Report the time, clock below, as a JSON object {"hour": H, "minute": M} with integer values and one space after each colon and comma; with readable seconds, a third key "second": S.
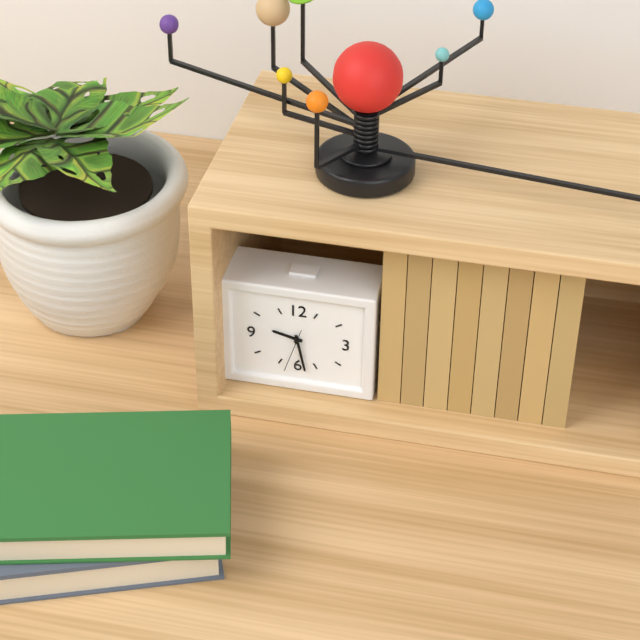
{"hour": 9, "minute": 28}
